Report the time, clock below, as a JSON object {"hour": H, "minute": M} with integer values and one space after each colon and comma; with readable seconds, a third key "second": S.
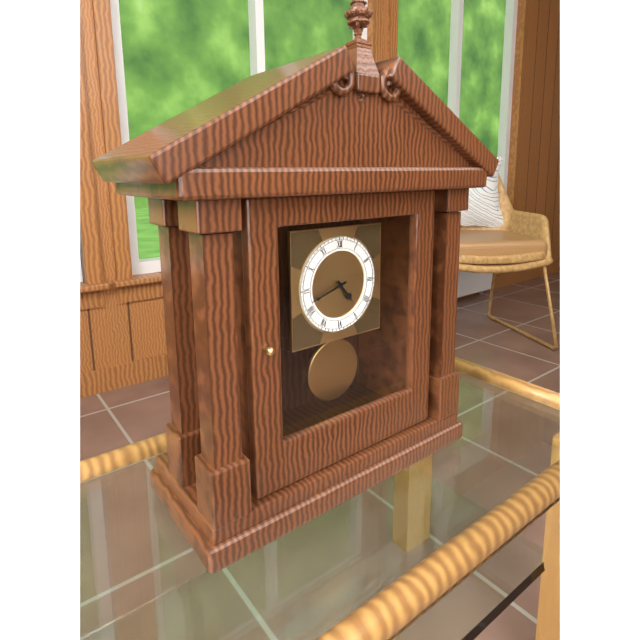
{"hour": 4, "minute": 42}
